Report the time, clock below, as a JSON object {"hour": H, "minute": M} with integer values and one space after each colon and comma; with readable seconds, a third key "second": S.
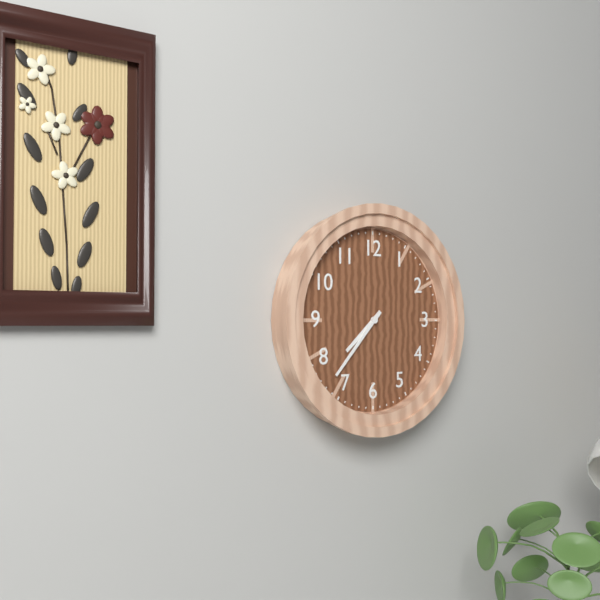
{"hour": 7, "minute": 37}
